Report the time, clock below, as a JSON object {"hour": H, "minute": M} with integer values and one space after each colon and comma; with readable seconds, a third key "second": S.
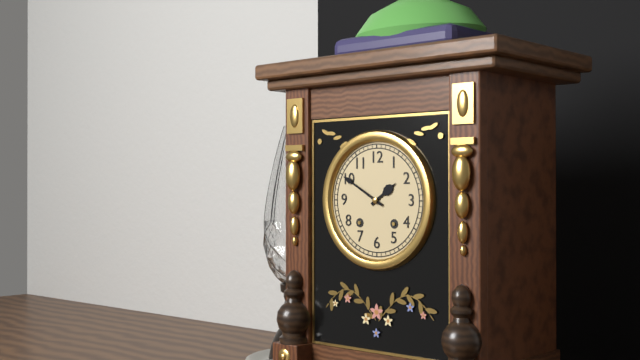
{"hour": 1, "minute": 50}
